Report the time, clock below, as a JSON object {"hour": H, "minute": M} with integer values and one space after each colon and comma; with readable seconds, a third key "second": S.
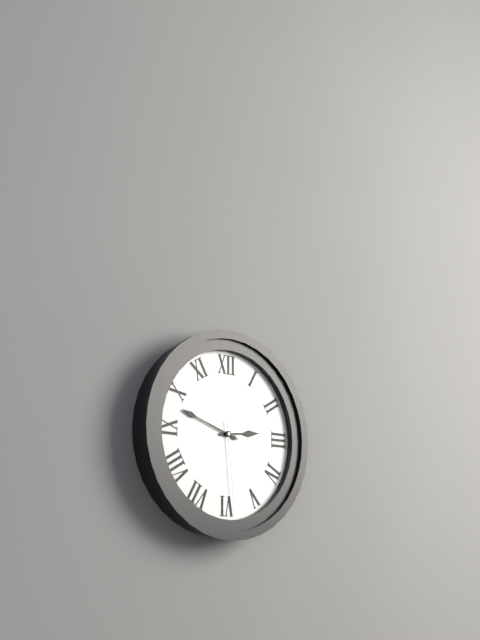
{"hour": 2, "minute": 48, "second": 29}
